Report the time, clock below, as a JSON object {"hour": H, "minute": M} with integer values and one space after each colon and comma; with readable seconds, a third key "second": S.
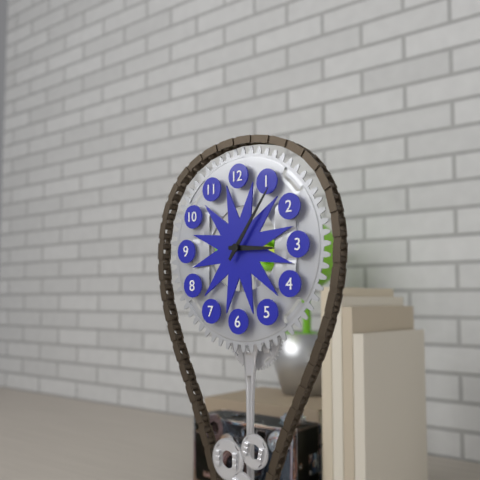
{"hour": 3, "minute": 6}
